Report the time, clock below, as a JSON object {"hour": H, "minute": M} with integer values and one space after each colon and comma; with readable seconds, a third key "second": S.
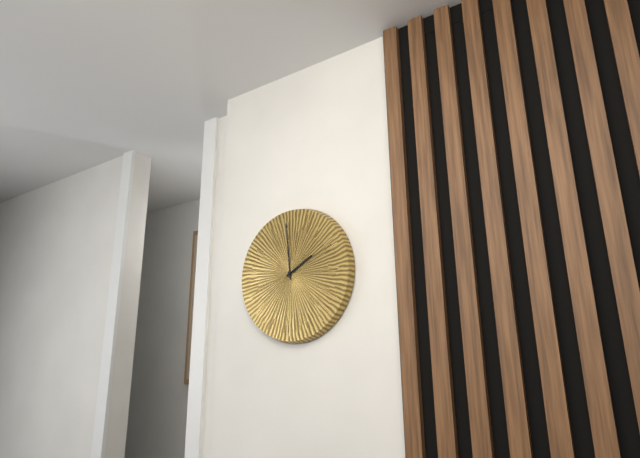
{"hour": 1, "minute": 59}
